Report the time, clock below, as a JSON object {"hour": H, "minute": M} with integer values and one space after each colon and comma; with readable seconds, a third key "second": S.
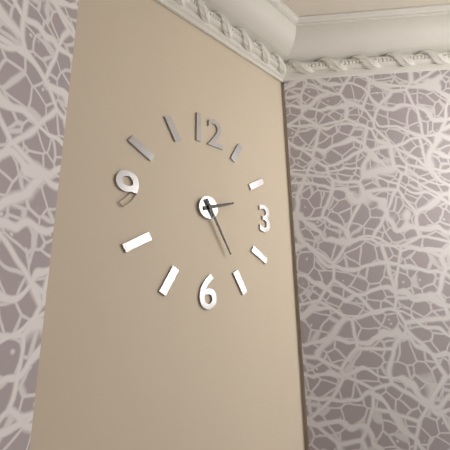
{"hour": 2, "minute": 25}
